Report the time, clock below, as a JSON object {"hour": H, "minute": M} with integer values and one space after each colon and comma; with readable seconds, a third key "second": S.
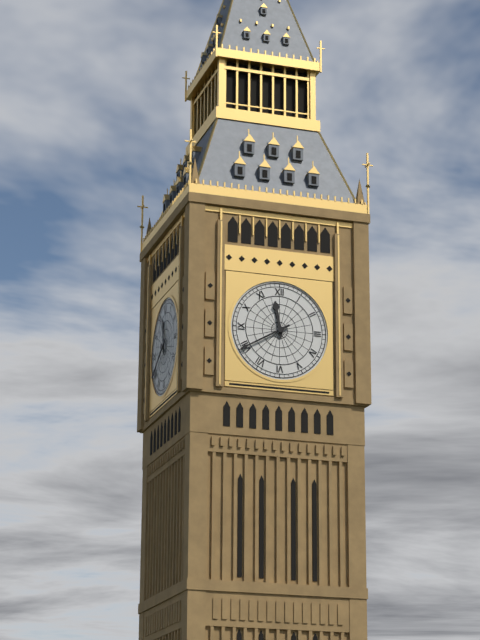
{"hour": 11, "minute": 40}
